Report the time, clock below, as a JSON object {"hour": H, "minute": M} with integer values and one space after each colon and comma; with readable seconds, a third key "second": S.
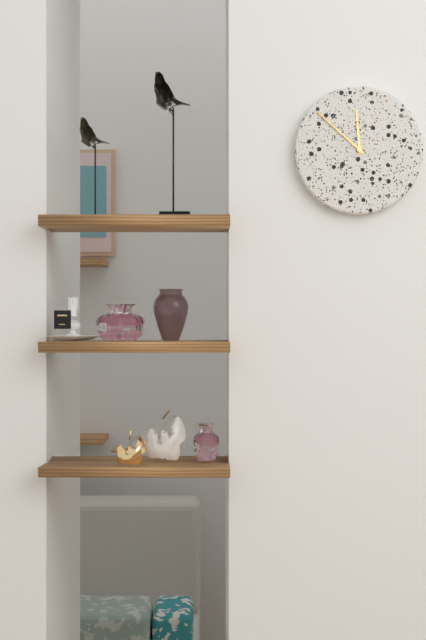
{"hour": 11, "minute": 52}
